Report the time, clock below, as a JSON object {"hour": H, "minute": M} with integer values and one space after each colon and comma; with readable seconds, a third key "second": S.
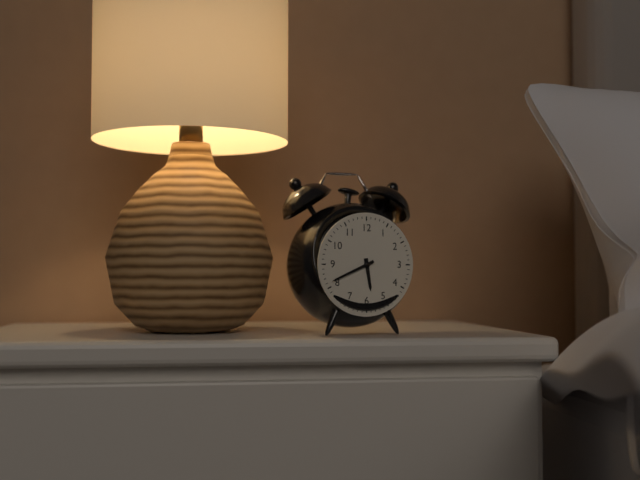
{"hour": 5, "minute": 41}
